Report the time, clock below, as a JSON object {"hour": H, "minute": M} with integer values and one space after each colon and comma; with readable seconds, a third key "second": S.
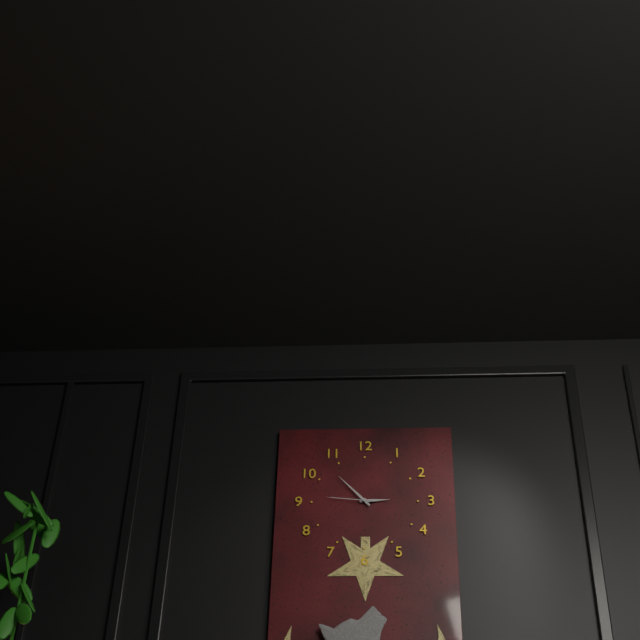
{"hour": 2, "minute": 53}
